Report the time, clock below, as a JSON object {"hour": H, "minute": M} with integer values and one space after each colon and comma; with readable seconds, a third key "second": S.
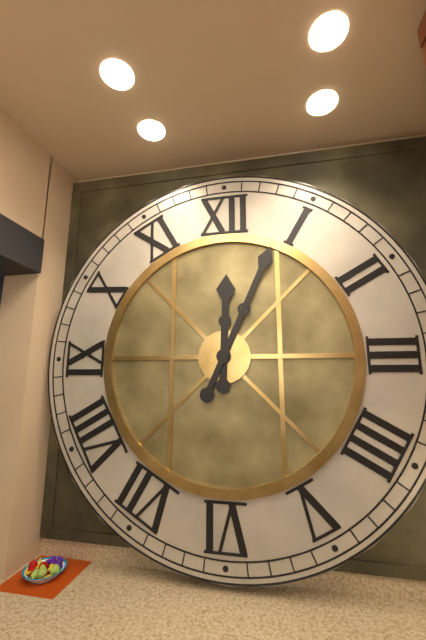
{"hour": 12, "minute": 4}
